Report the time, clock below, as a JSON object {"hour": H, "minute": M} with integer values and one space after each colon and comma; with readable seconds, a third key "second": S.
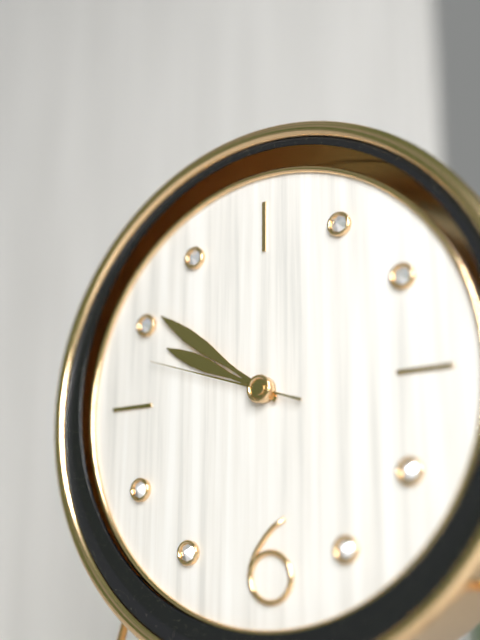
{"hour": 9, "minute": 51, "second": 48}
